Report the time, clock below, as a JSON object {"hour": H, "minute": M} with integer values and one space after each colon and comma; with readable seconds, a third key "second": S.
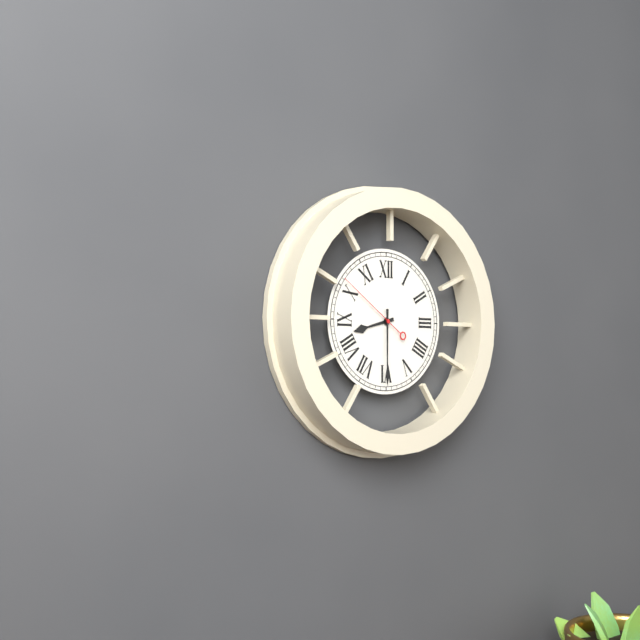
{"hour": 8, "minute": 30, "second": 51}
